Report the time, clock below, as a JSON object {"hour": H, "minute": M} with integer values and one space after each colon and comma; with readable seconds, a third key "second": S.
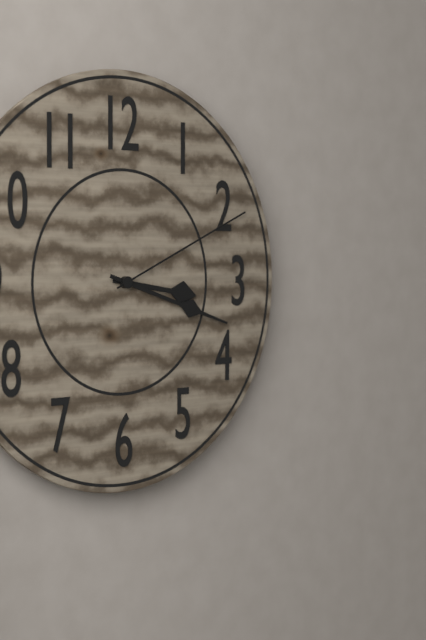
{"hour": 3, "minute": 18, "second": 11}
